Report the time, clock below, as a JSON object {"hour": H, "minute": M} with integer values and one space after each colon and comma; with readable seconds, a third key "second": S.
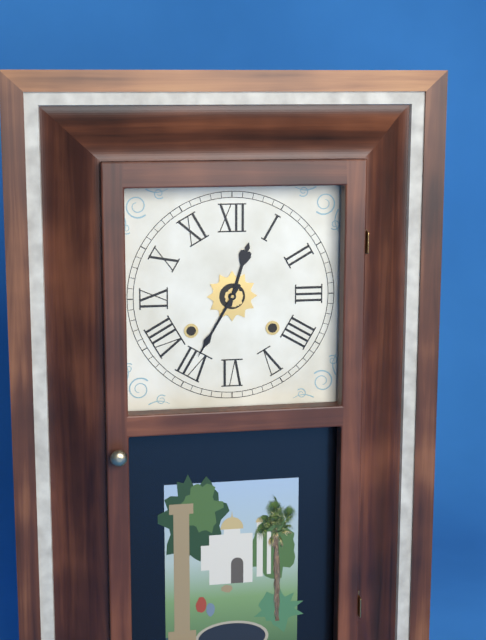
{"hour": 12, "minute": 35}
